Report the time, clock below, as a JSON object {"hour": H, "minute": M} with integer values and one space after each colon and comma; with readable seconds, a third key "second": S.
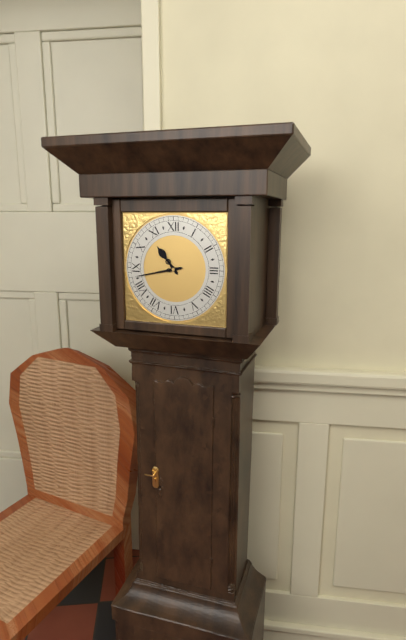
{"hour": 10, "minute": 43}
